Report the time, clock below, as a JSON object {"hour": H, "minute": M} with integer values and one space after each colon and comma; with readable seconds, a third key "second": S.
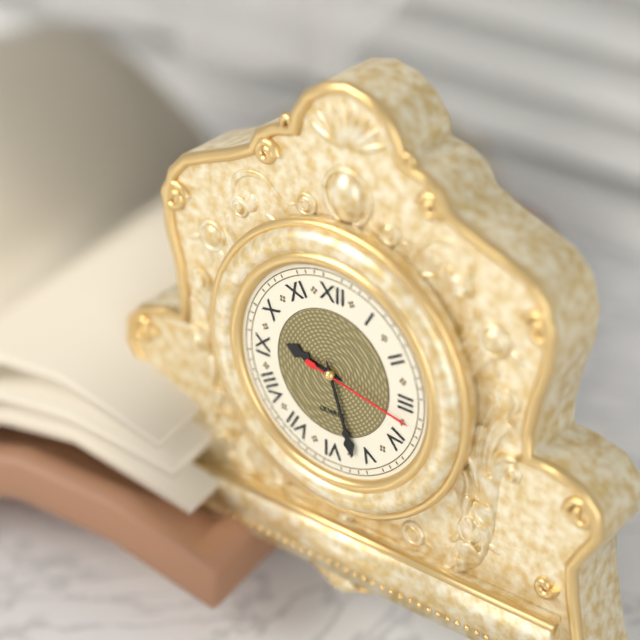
{"hour": 9, "minute": 27, "second": 17}
